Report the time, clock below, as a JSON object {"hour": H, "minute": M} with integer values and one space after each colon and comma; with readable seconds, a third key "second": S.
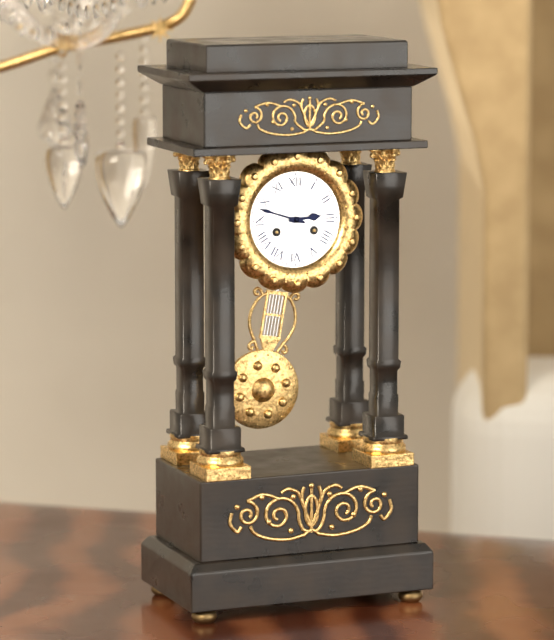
{"hour": 2, "minute": 48}
